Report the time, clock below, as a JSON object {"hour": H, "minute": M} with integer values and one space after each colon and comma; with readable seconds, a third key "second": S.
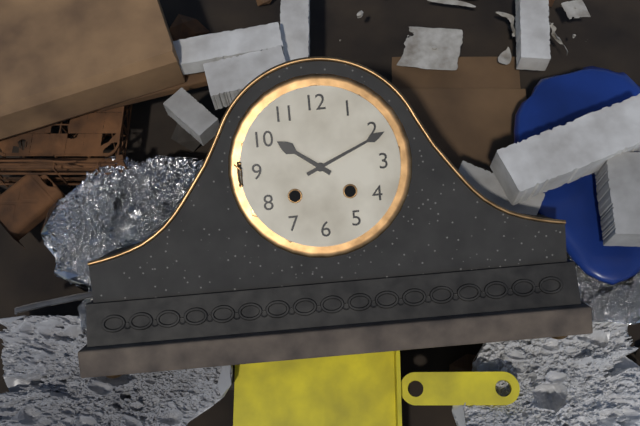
{"hour": 10, "minute": 11}
